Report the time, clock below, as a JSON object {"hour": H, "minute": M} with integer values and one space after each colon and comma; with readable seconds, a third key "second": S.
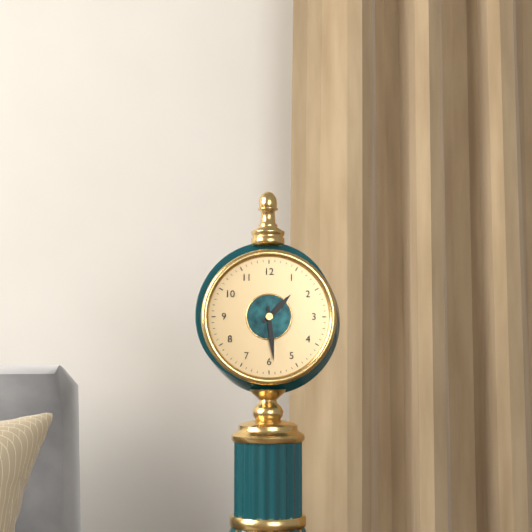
{"hour": 1, "minute": 29}
